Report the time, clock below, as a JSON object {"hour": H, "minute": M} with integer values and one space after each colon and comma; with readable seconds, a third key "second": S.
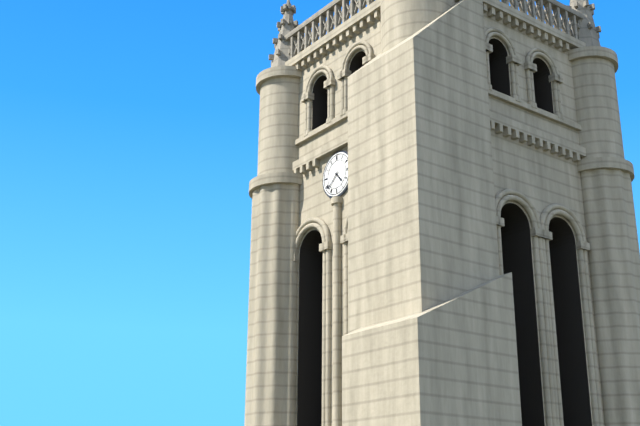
{"hour": 4, "minute": 38}
